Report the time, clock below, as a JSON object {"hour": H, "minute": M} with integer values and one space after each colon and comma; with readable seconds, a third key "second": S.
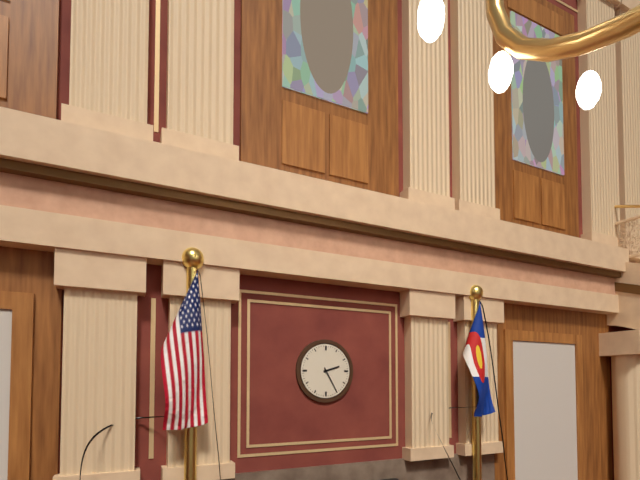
{"hour": 2, "minute": 25}
